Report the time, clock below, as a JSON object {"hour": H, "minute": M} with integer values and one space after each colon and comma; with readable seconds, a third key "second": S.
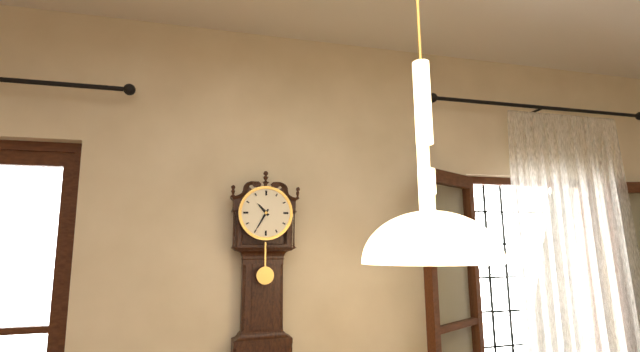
{"hour": 10, "minute": 35}
